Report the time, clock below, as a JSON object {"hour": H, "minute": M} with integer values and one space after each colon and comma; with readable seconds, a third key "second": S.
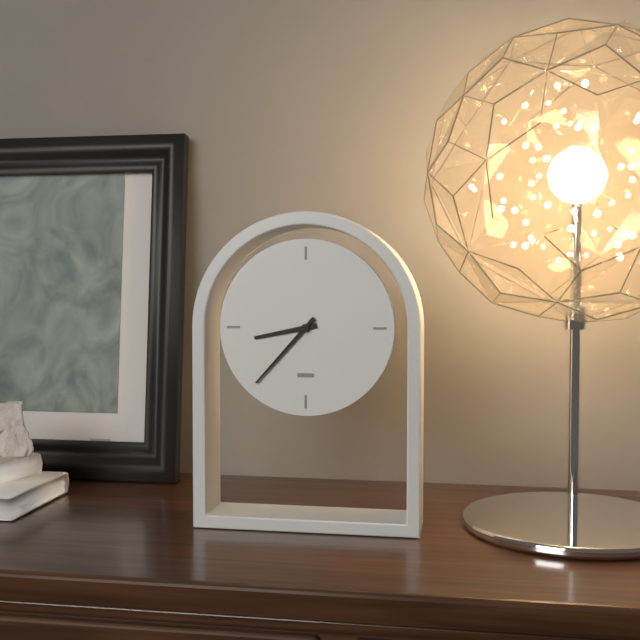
{"hour": 8, "minute": 37}
